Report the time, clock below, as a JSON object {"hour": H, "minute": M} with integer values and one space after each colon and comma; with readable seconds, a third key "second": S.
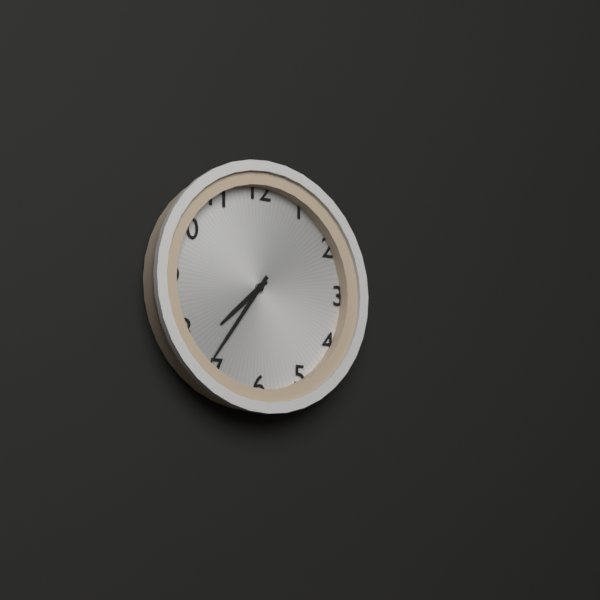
{"hour": 7, "minute": 36}
